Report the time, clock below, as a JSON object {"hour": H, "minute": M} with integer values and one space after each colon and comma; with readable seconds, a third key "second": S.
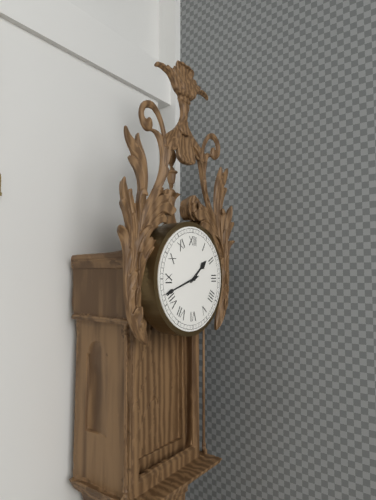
{"hour": 1, "minute": 42}
